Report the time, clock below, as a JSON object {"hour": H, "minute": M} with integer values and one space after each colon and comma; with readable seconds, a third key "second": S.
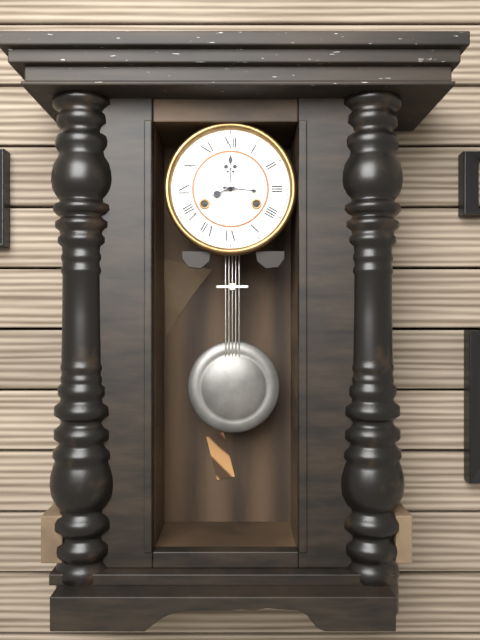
{"hour": 8, "minute": 16}
